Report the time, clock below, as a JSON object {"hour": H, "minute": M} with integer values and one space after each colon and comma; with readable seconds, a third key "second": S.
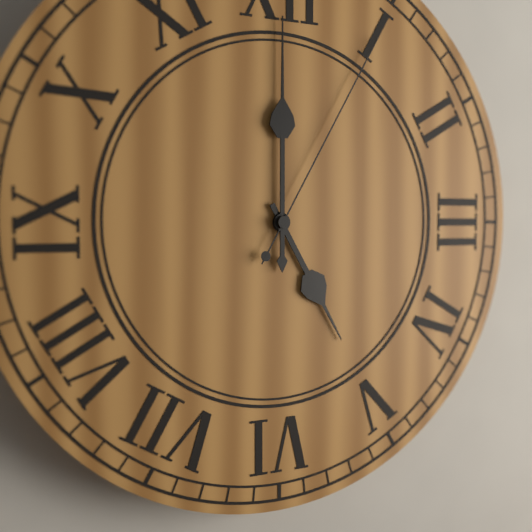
{"hour": 5, "minute": 0, "second": 5}
